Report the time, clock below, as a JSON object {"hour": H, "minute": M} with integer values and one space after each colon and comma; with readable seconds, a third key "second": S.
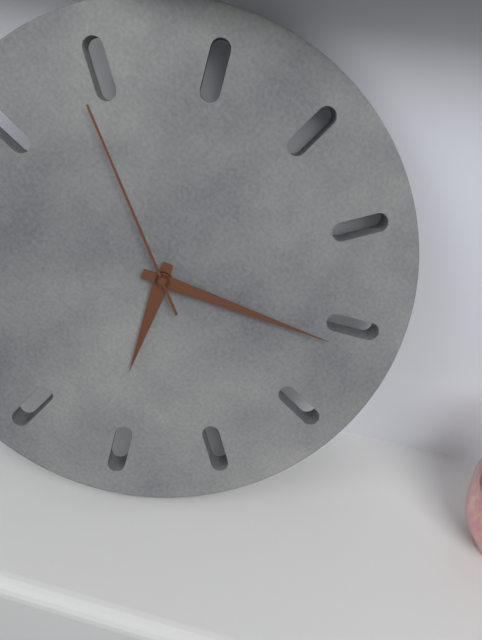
{"hour": 5, "minute": 11, "second": 49}
